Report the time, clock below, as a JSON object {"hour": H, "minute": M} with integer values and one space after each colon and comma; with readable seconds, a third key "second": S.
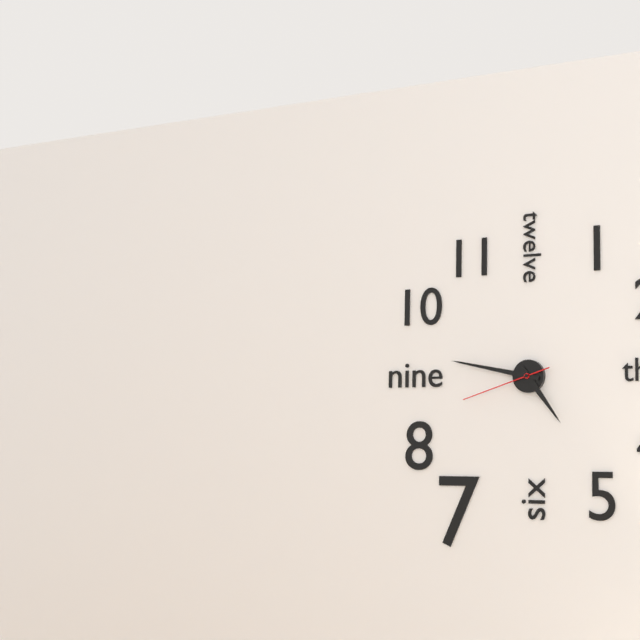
{"hour": 4, "minute": 47, "second": 42}
